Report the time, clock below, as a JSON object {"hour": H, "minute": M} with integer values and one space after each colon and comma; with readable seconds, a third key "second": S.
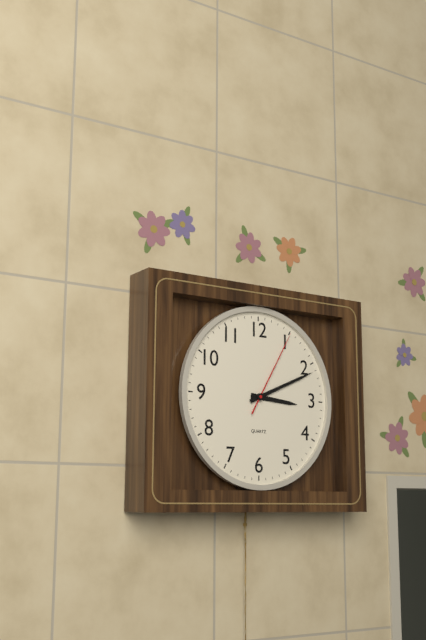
{"hour": 3, "minute": 11, "second": 5}
